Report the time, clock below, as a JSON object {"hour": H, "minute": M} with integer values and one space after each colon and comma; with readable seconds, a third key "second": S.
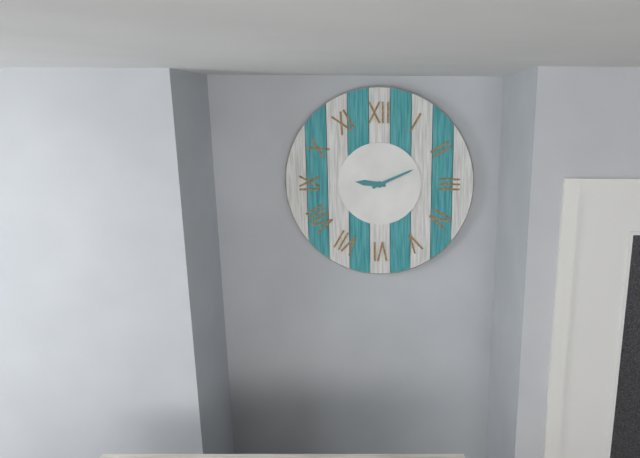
{"hour": 9, "minute": 11}
